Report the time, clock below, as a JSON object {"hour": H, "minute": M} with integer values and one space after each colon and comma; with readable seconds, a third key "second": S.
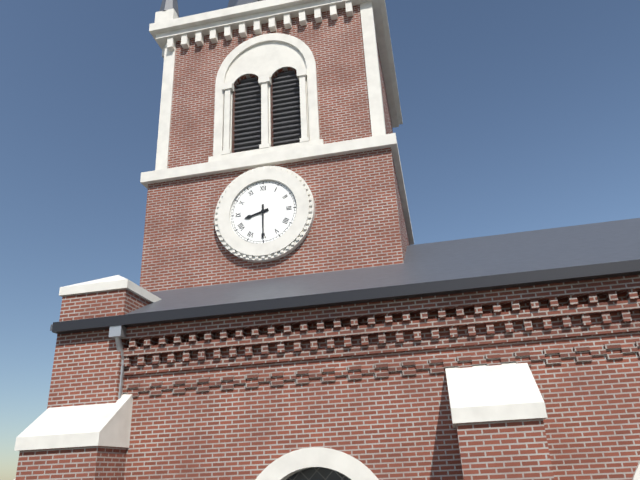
{"hour": 8, "minute": 30}
